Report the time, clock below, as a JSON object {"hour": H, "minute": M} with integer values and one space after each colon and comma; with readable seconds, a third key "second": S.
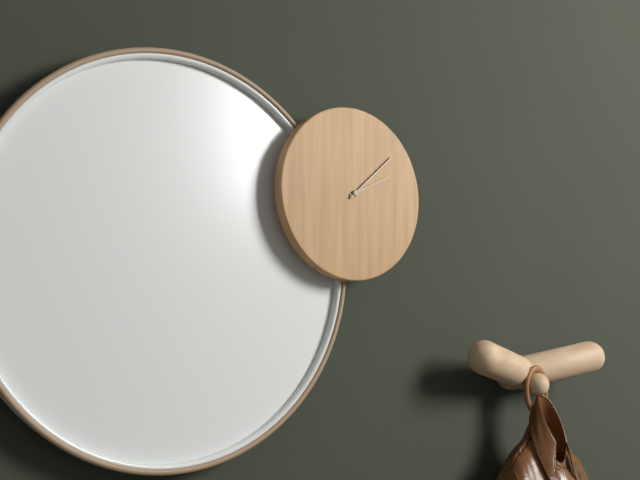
{"hour": 2, "minute": 8}
